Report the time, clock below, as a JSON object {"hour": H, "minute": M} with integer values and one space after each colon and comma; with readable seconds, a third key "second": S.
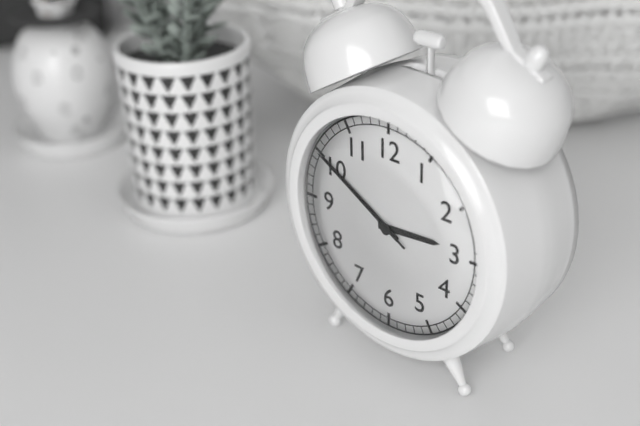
{"hour": 2, "minute": 50, "second": 50}
